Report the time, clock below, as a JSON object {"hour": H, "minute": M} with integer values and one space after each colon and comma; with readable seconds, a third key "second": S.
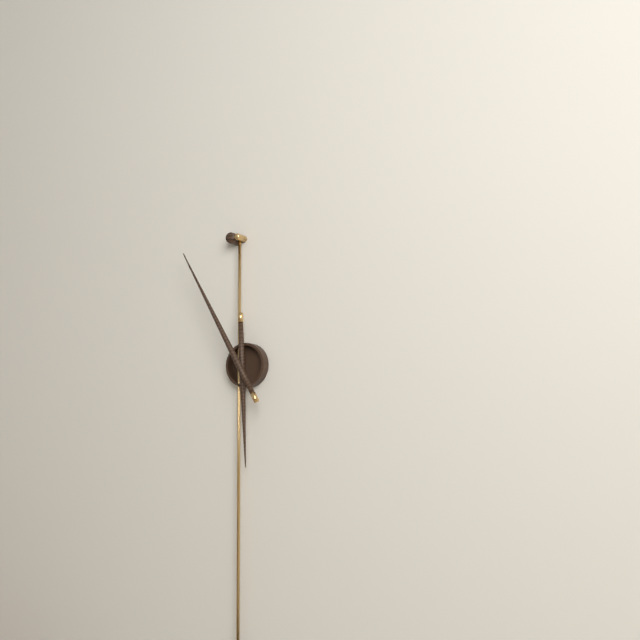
{"hour": 5, "minute": 55}
